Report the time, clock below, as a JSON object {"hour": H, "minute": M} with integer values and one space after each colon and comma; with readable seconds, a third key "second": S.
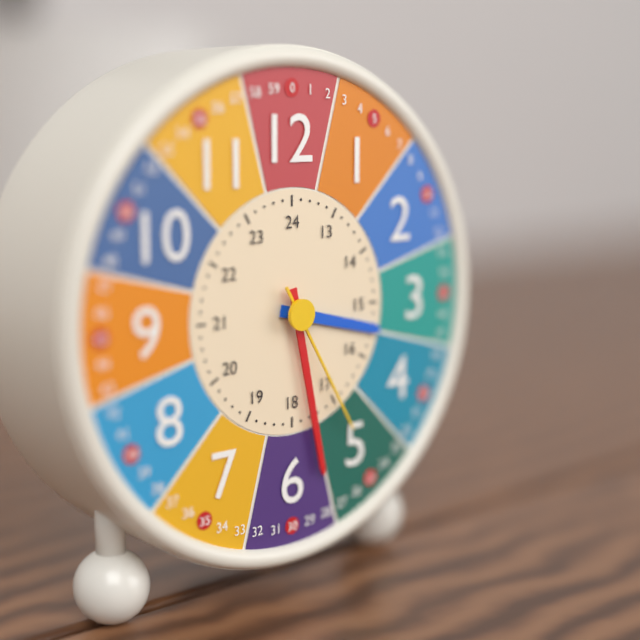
{"hour": 3, "minute": 28, "second": 25}
